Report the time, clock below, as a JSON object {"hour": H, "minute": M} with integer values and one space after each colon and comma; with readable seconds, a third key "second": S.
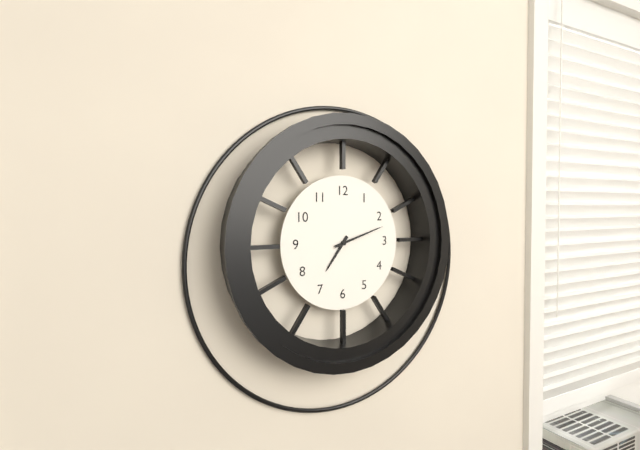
{"hour": 7, "minute": 12}
